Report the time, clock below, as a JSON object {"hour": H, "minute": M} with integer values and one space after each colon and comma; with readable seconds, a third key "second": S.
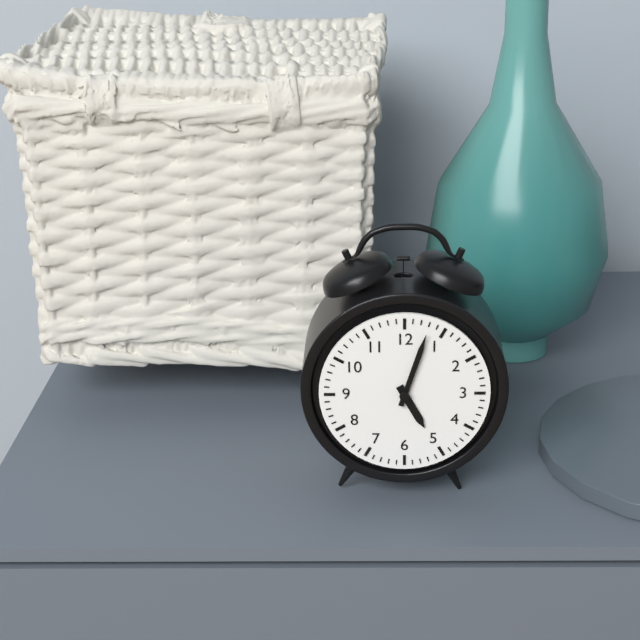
{"hour": 5, "minute": 3}
